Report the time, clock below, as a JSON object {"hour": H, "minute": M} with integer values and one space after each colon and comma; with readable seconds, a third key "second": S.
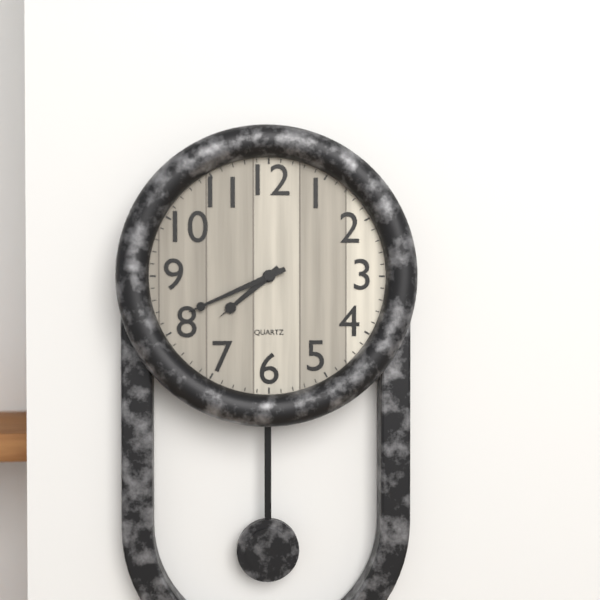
{"hour": 7, "minute": 41}
